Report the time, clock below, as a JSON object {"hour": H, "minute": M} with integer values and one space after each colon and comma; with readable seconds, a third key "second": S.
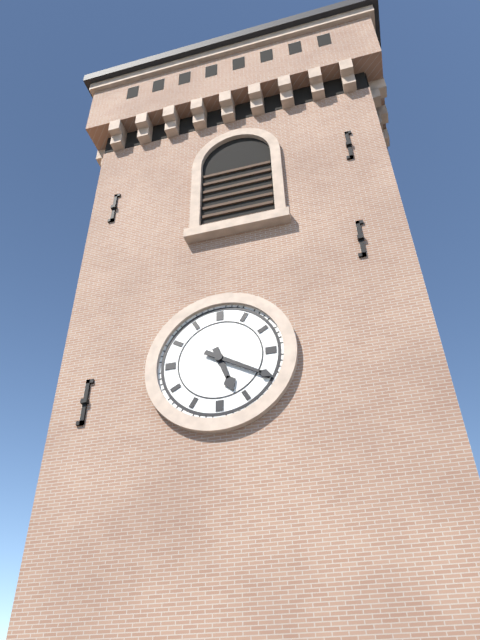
{"hour": 5, "minute": 20}
